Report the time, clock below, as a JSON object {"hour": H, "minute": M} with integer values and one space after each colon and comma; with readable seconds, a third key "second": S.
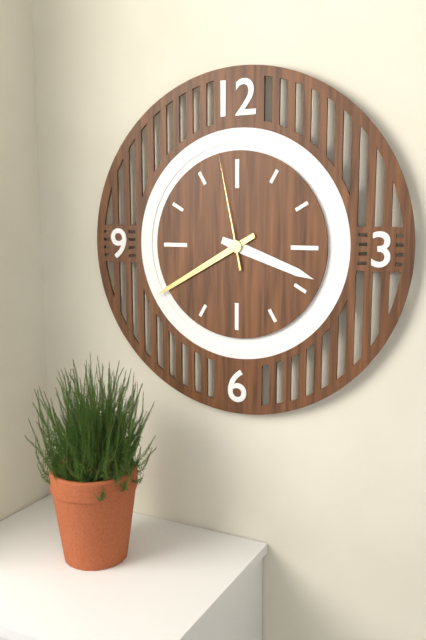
{"hour": 3, "minute": 40, "second": 58}
